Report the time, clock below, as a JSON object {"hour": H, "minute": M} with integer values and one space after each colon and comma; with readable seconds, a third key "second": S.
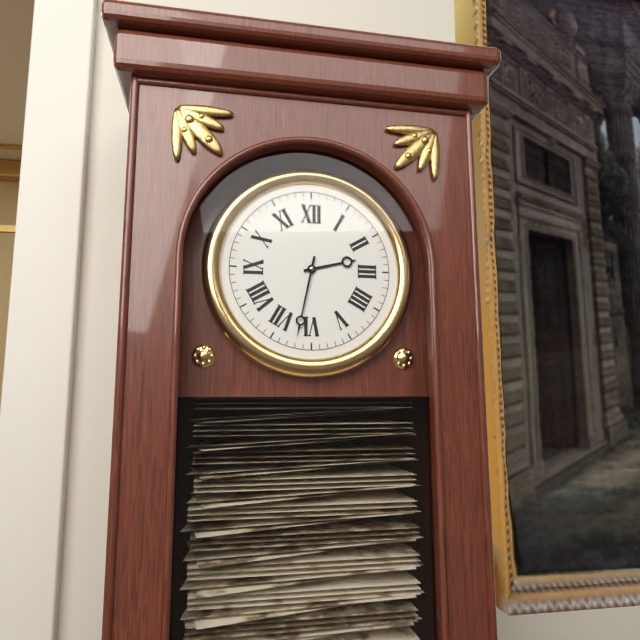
{"hour": 2, "minute": 32}
